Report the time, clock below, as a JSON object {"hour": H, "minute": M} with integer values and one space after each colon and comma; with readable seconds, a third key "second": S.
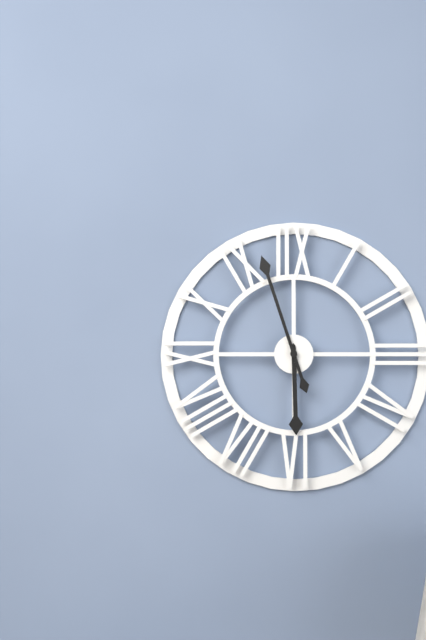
{"hour": 5, "minute": 57}
